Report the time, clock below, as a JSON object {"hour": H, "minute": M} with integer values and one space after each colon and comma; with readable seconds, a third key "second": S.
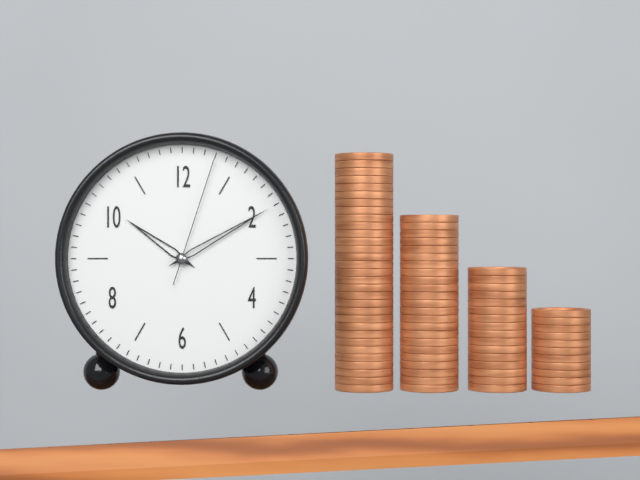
{"hour": 10, "minute": 10, "second": 3}
